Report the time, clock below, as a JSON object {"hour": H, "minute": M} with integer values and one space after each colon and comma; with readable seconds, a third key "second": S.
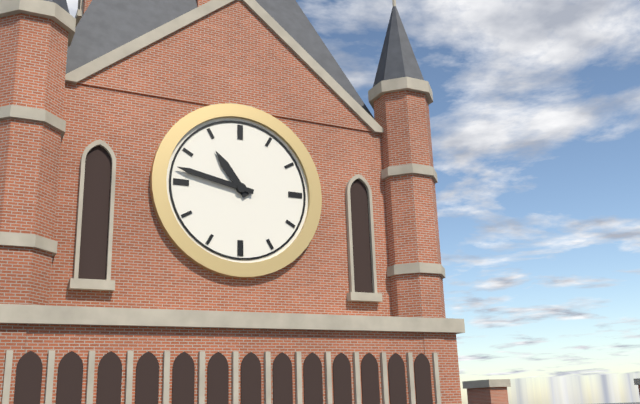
{"hour": 10, "minute": 47}
